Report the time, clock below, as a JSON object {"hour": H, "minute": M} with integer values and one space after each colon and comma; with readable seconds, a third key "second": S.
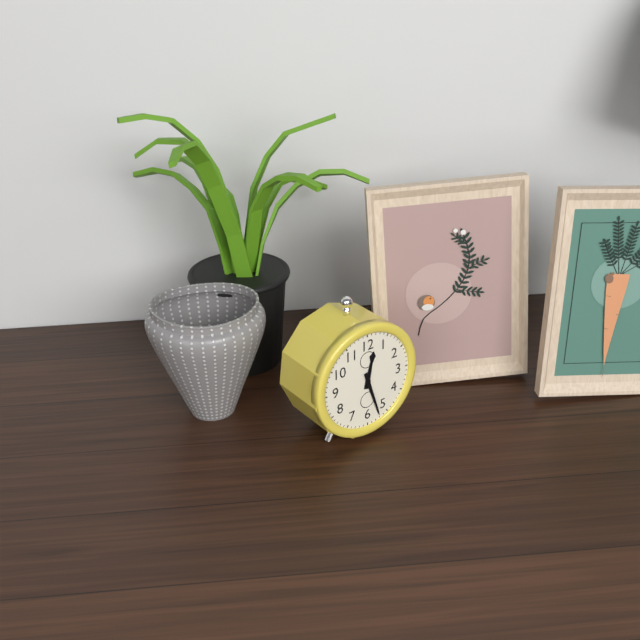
{"hour": 12, "minute": 27}
